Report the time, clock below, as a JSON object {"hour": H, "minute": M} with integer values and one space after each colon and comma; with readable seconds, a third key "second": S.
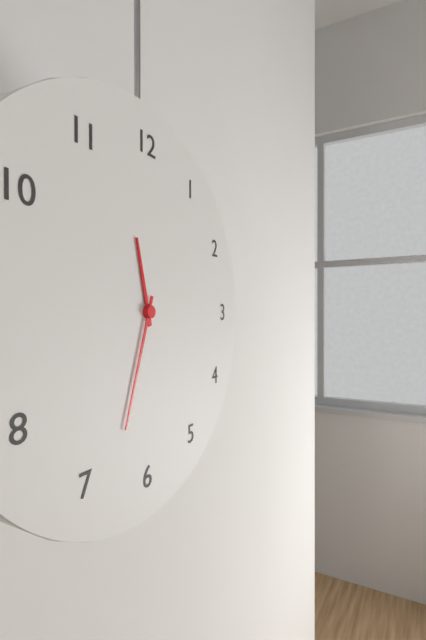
{"hour": 11, "minute": 33}
